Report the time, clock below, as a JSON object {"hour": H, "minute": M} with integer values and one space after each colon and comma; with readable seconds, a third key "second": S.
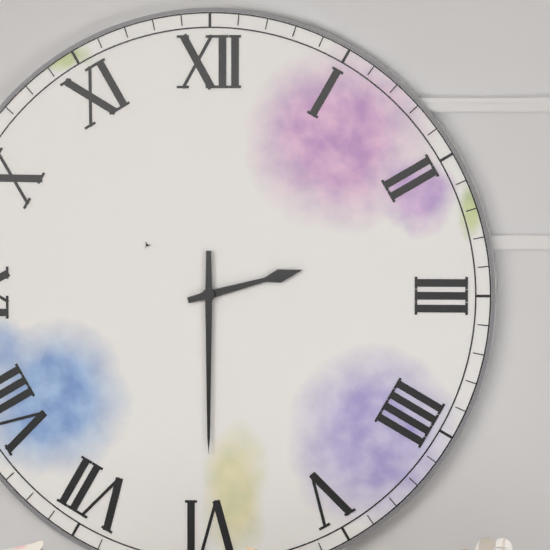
{"hour": 2, "minute": 30}
